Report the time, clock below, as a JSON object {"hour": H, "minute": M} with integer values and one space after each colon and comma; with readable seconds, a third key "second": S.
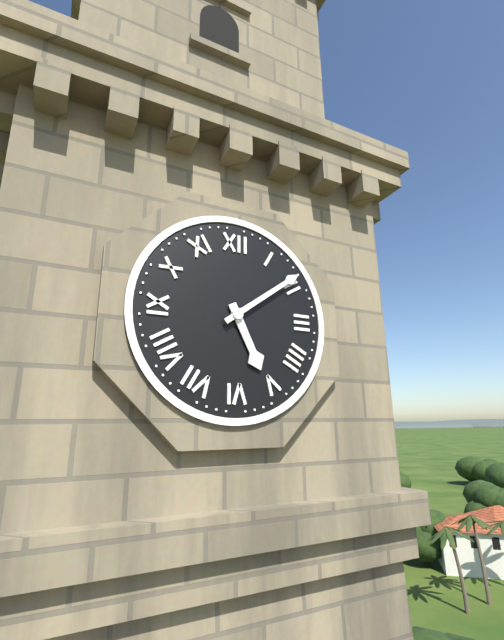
{"hour": 5, "minute": 9}
